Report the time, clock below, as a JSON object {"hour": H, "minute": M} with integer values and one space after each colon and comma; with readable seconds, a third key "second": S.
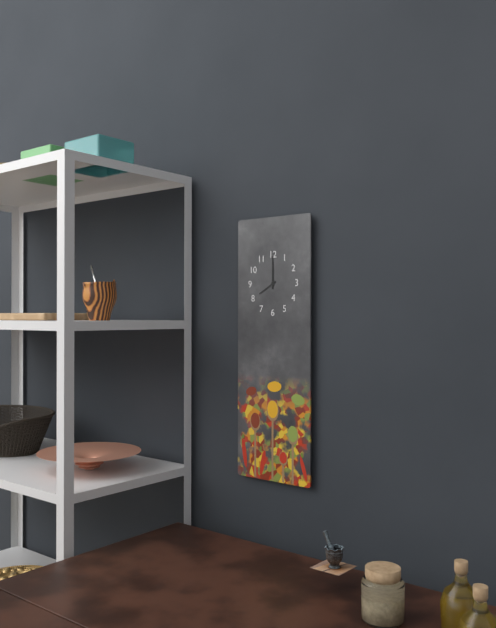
{"hour": 8, "minute": 0}
